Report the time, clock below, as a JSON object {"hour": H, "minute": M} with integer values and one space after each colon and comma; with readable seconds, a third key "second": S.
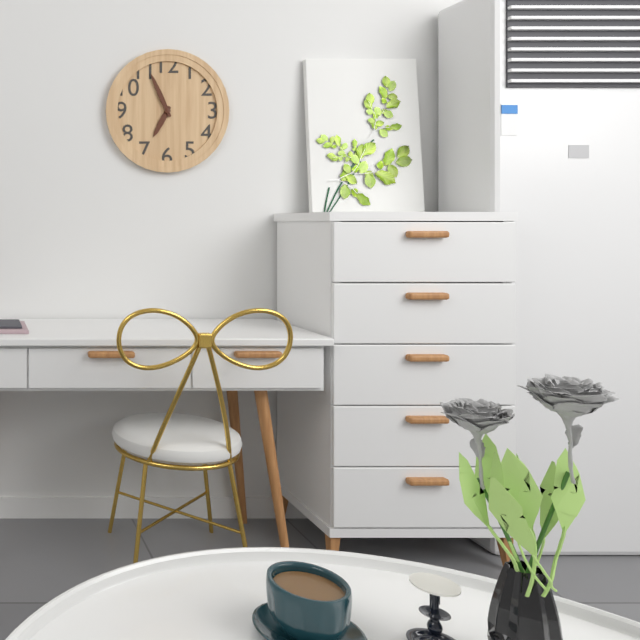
{"hour": 6, "minute": 56}
